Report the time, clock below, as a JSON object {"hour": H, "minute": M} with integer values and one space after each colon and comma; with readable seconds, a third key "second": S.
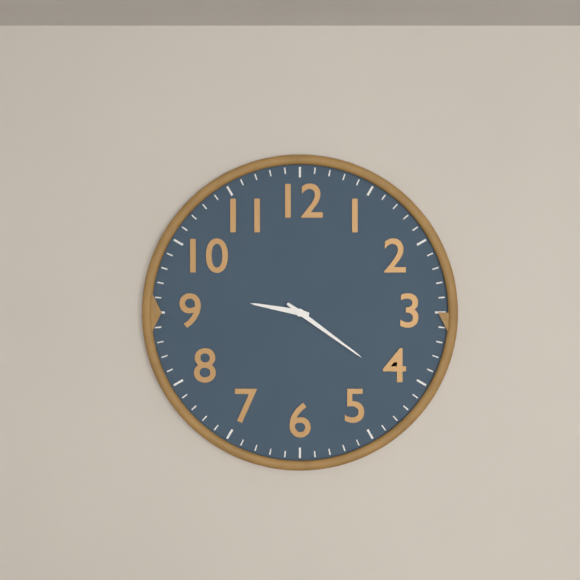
{"hour": 9, "minute": 21}
